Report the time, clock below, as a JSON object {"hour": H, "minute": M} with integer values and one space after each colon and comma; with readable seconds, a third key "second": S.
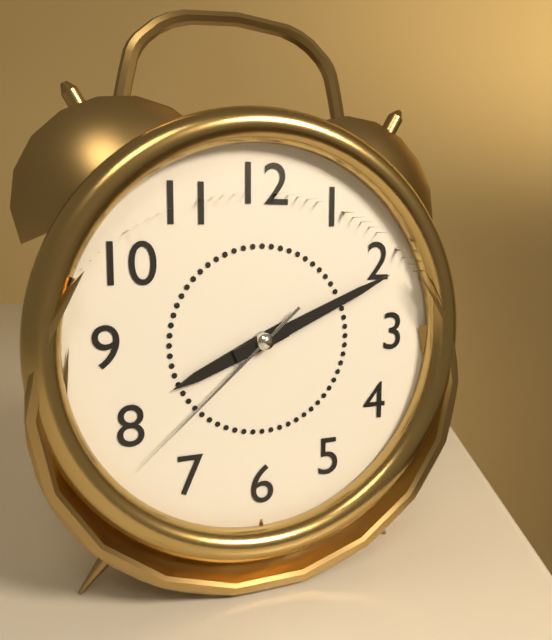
{"hour": 8, "minute": 11, "second": 38}
